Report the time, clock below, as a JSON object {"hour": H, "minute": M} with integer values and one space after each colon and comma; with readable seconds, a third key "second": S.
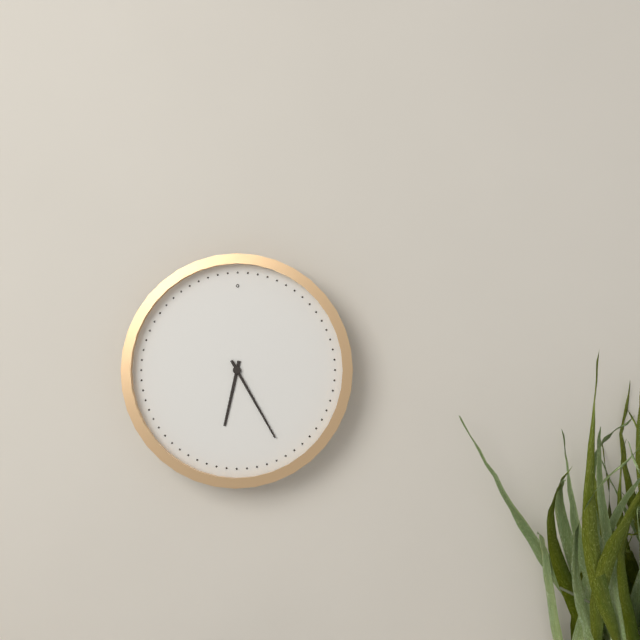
{"hour": 6, "minute": 25}
